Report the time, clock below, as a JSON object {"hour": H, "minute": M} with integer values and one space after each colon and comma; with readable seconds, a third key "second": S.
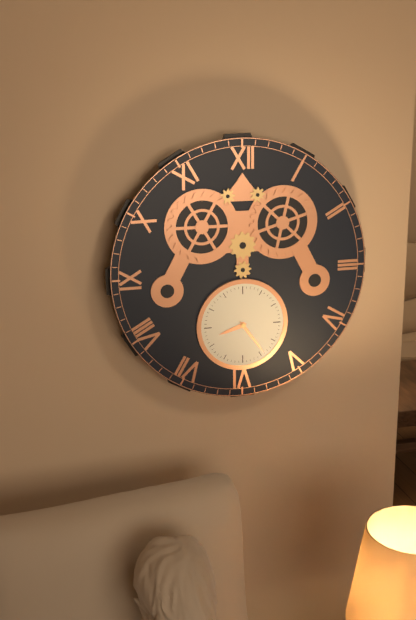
{"hour": 8, "minute": 24}
